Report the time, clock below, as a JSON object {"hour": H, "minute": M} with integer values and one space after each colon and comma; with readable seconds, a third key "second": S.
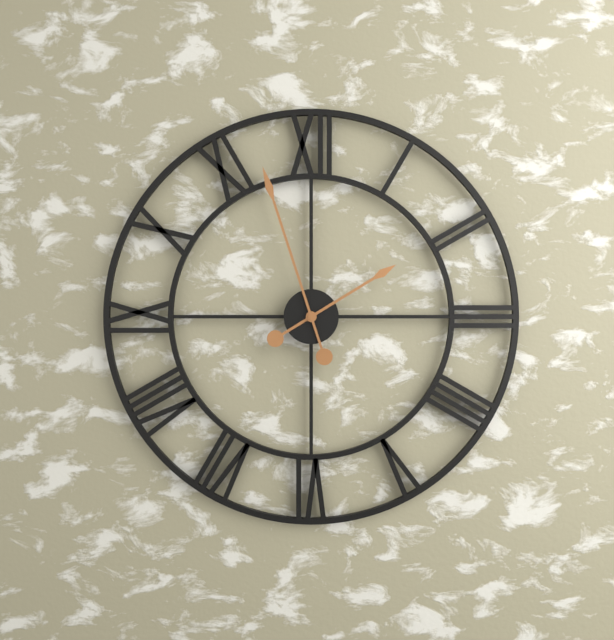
{"hour": 1, "minute": 57}
